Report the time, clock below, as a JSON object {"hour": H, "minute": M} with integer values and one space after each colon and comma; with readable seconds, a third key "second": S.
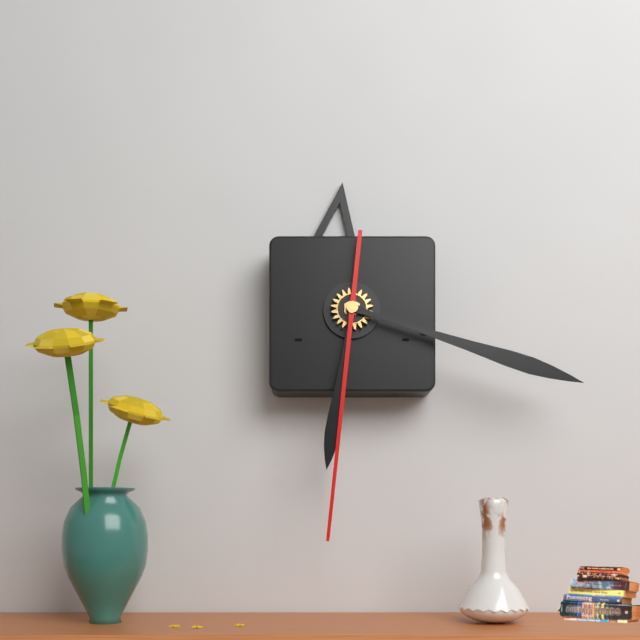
{"hour": 6, "minute": 18, "second": 31}
